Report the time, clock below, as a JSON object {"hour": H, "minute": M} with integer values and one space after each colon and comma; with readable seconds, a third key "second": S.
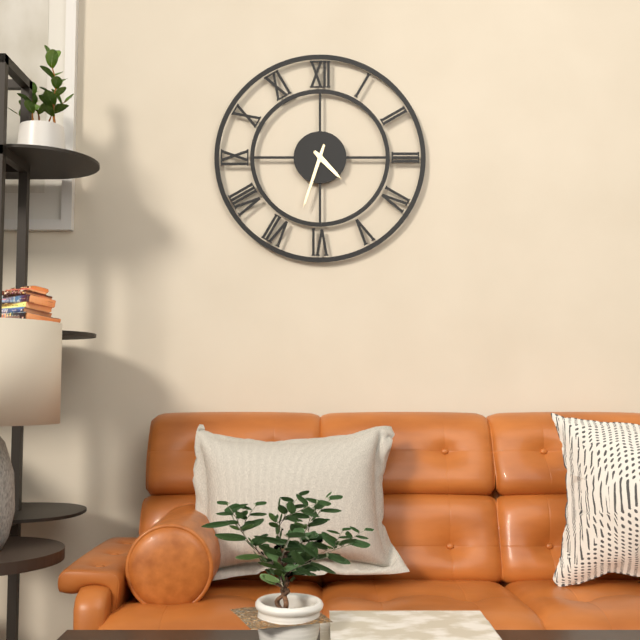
{"hour": 4, "minute": 33}
